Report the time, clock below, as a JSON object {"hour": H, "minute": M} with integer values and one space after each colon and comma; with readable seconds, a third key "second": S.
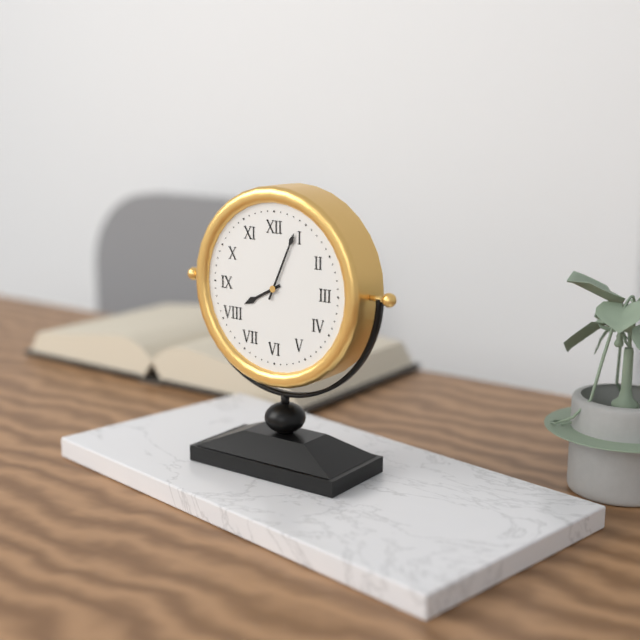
{"hour": 8, "minute": 4}
